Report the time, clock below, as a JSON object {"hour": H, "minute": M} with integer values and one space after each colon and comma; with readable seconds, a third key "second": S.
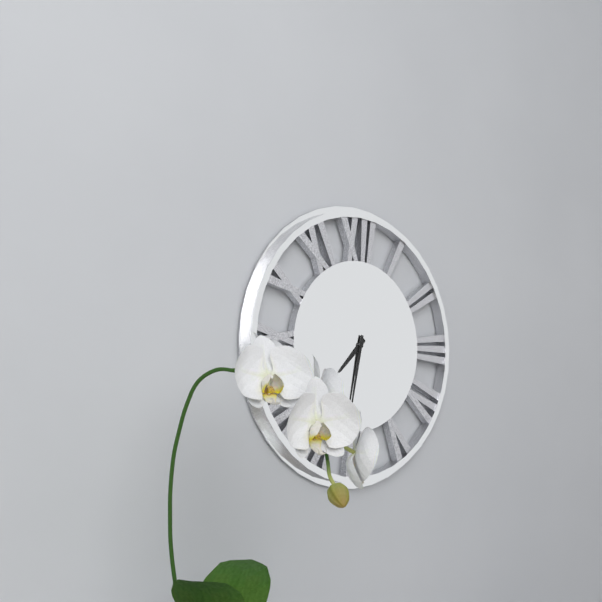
{"hour": 7, "minute": 32}
